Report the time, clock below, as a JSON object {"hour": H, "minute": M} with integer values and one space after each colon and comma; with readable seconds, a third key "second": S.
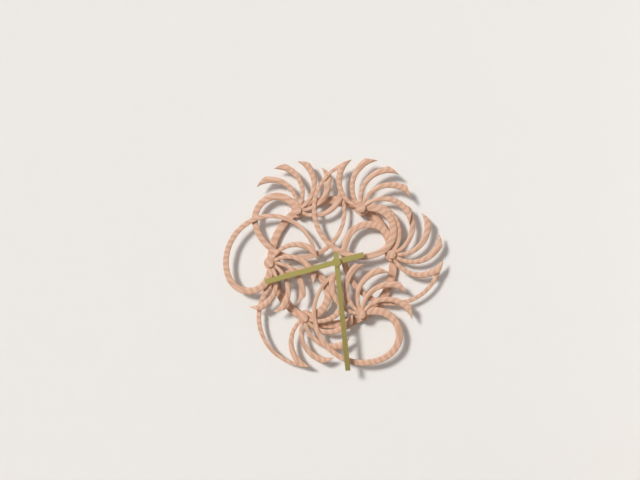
{"hour": 8, "minute": 29}
